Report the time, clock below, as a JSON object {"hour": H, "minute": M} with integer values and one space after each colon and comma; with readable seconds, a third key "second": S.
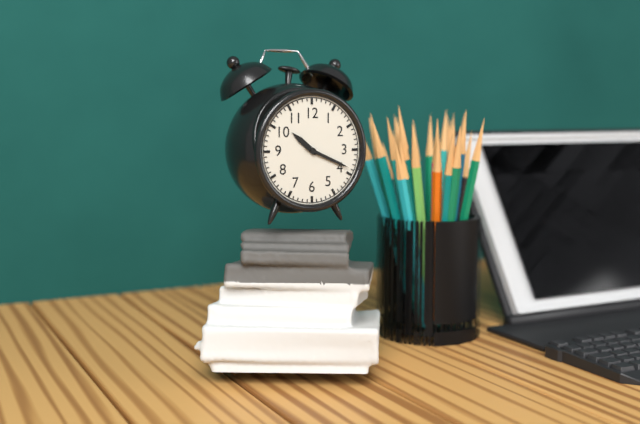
{"hour": 10, "minute": 19}
